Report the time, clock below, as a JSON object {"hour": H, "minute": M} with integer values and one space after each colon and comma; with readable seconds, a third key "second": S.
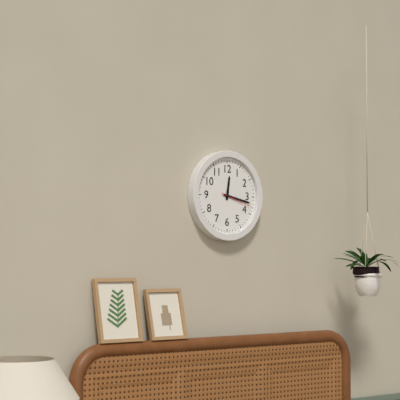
{"hour": 12, "minute": 17}
